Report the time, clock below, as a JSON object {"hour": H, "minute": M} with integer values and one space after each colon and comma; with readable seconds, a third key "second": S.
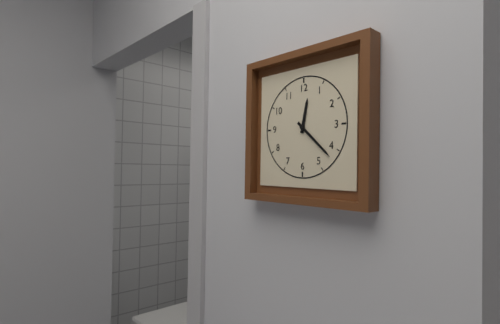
{"hour": 12, "minute": 22}
